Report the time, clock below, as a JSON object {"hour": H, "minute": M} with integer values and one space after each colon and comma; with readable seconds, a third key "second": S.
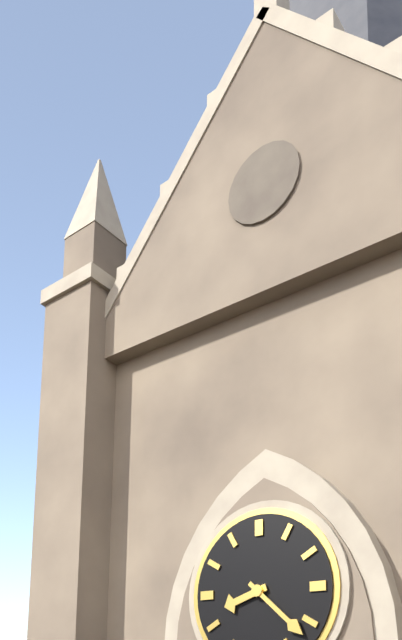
{"hour": 8, "minute": 22}
